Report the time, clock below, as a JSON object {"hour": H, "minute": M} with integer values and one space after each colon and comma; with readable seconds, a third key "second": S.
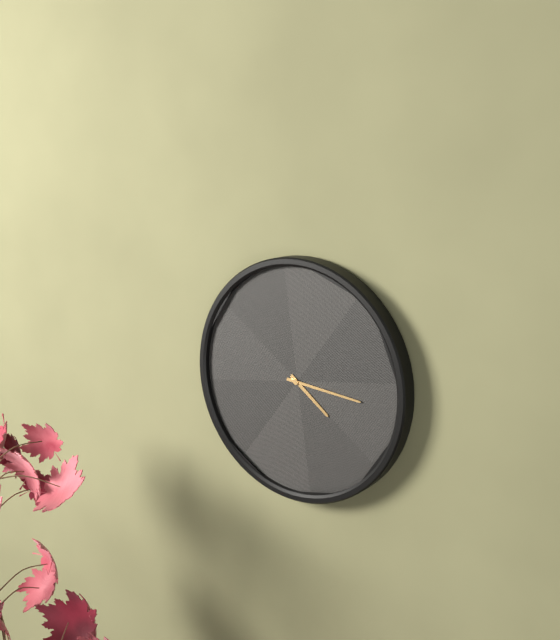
{"hour": 4, "minute": 16}
